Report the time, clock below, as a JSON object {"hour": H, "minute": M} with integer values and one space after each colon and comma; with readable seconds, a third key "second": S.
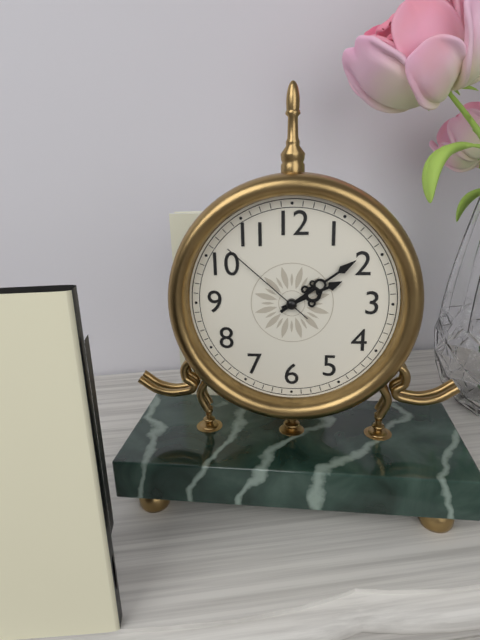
{"hour": 2, "minute": 9, "second": 52}
